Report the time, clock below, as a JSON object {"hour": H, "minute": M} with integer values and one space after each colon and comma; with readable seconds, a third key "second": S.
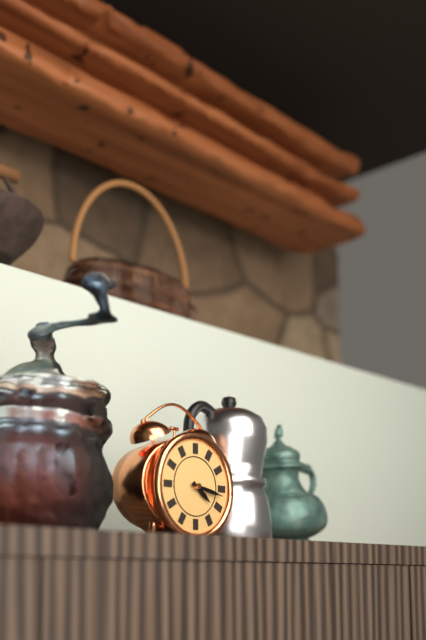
{"hour": 4, "minute": 17}
